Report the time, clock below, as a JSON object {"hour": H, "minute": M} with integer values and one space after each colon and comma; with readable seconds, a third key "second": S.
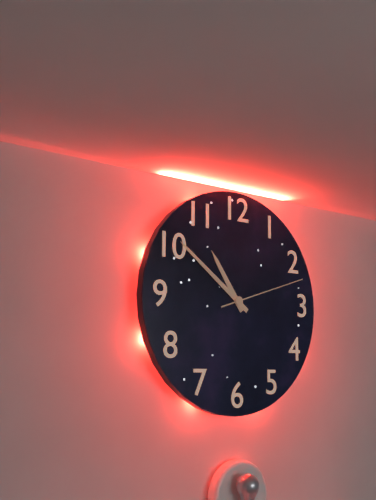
{"hour": 10, "minute": 51, "second": 12}
